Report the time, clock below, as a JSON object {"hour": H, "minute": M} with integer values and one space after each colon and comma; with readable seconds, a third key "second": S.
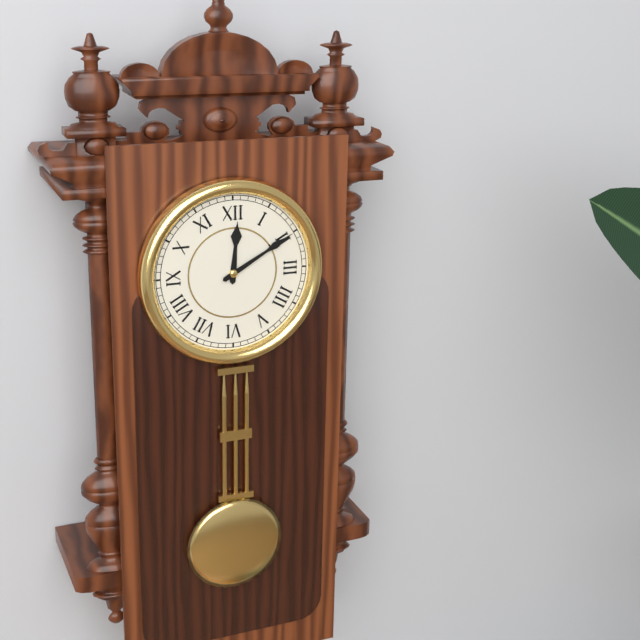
{"hour": 12, "minute": 10}
